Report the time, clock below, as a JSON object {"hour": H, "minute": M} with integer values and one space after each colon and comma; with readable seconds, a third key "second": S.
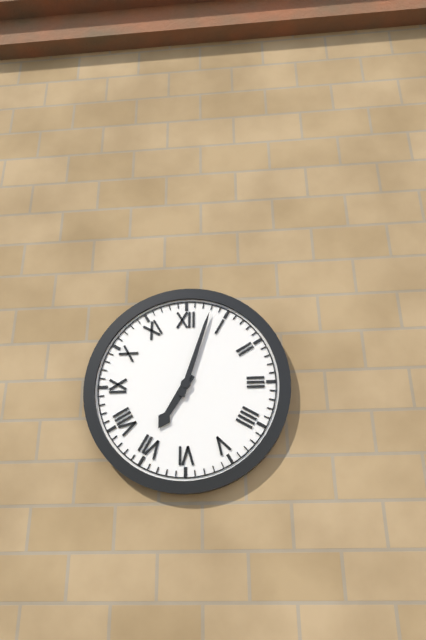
{"hour": 7, "minute": 3}
